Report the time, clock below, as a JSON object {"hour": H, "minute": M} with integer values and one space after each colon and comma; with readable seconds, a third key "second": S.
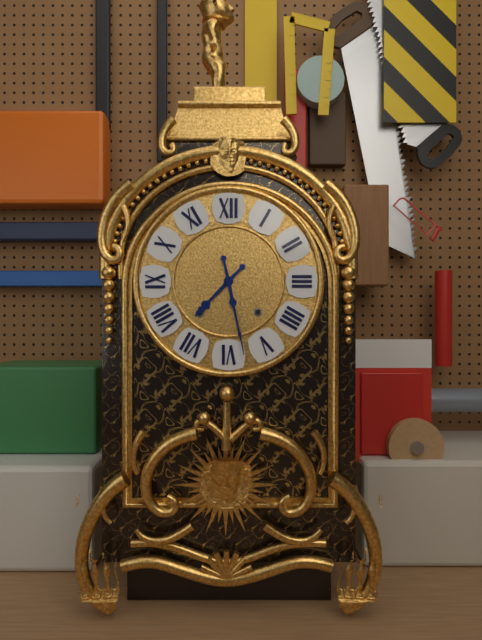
{"hour": 7, "minute": 28}
